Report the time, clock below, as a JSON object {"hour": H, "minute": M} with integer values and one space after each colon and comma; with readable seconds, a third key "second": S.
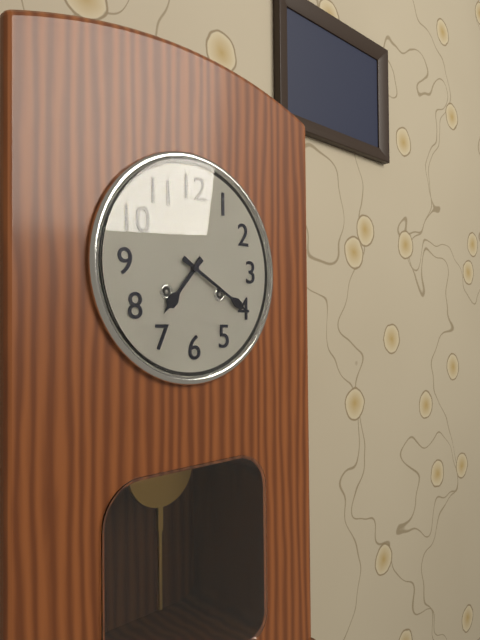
{"hour": 7, "minute": 20}
